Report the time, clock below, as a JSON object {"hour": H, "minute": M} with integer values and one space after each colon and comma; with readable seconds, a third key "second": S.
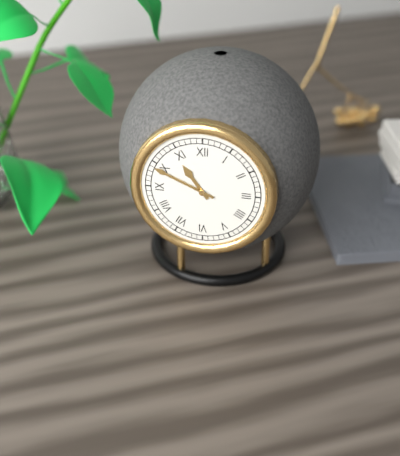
{"hour": 10, "minute": 49}
